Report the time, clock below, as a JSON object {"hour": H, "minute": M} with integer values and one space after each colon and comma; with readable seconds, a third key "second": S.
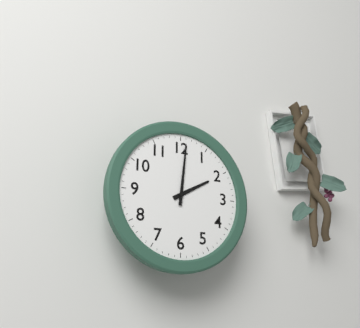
{"hour": 2, "minute": 1}
